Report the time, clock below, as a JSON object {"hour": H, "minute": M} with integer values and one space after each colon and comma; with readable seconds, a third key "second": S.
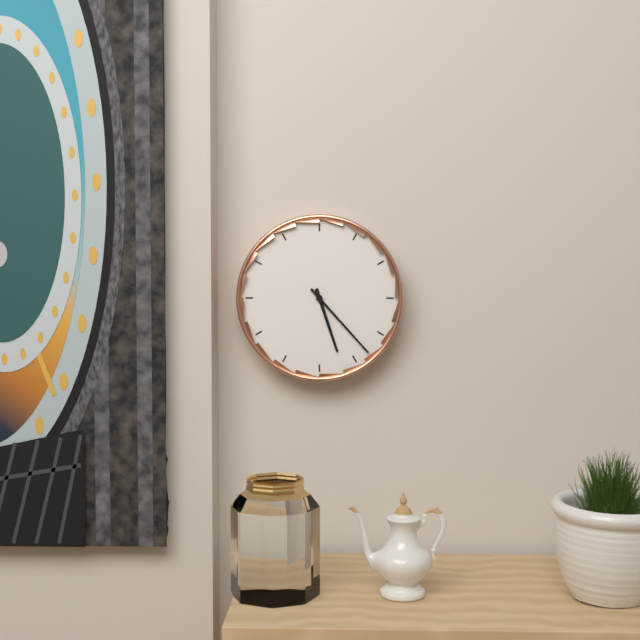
{"hour": 5, "minute": 23}
